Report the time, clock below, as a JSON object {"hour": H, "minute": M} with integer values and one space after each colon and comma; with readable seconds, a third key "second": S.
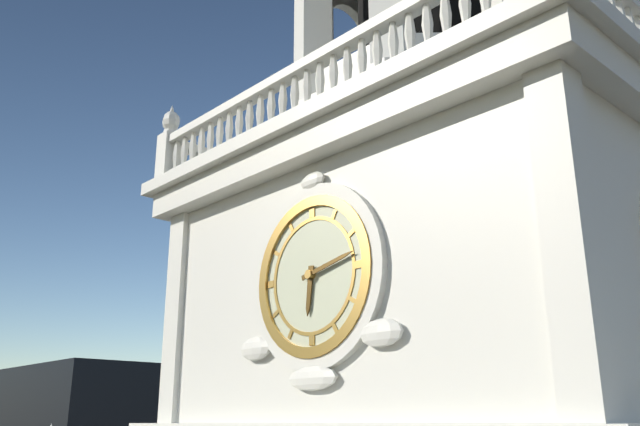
{"hour": 6, "minute": 13}
